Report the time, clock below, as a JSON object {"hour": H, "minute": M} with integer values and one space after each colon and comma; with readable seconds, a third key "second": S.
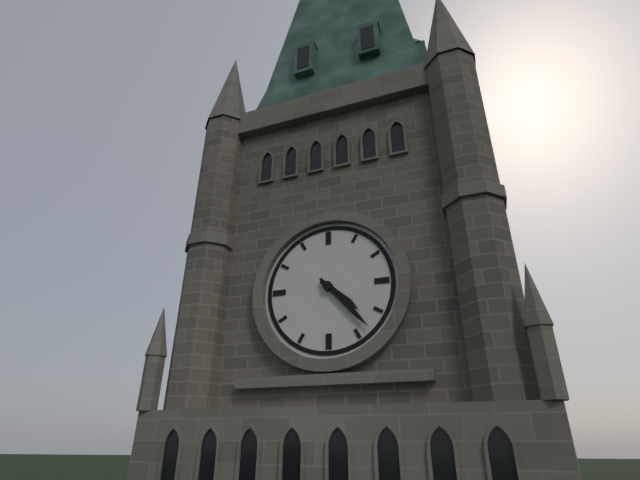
{"hour": 4, "minute": 23}
